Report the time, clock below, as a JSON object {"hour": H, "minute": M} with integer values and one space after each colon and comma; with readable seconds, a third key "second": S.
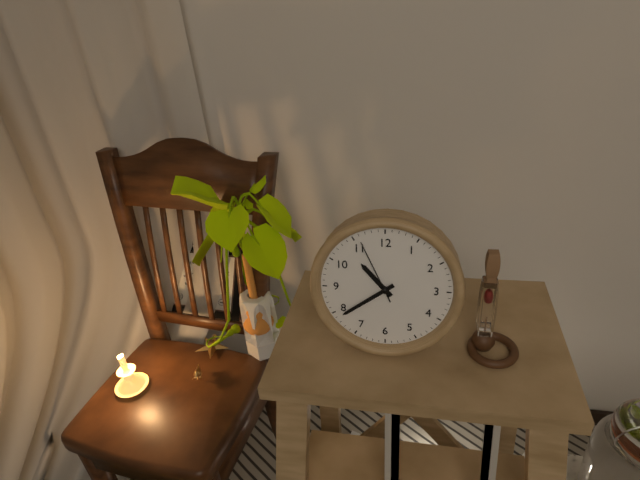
{"hour": 10, "minute": 39, "second": 56}
